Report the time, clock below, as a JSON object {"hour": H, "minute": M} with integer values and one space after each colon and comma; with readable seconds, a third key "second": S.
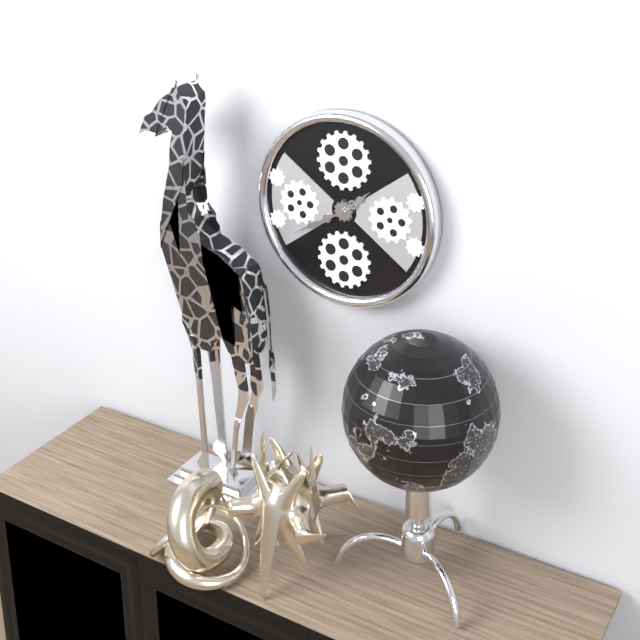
{"hour": 1, "minute": 40}
